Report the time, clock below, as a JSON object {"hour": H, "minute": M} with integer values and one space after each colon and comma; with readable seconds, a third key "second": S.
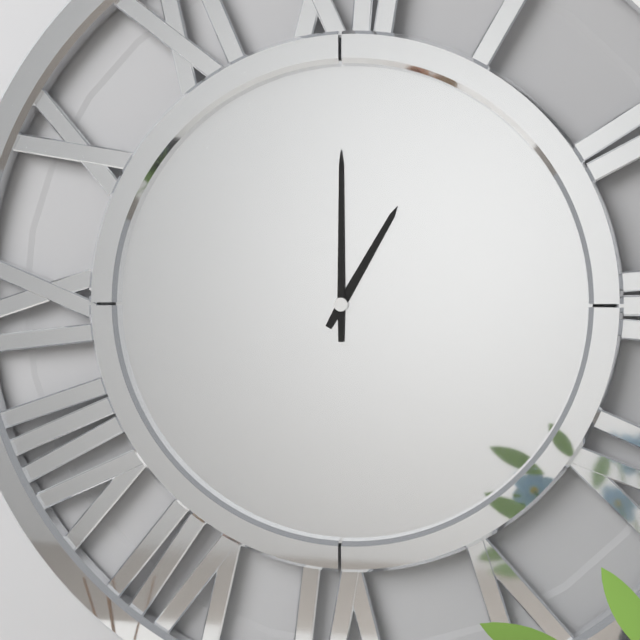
{"hour": 1, "minute": 0}
